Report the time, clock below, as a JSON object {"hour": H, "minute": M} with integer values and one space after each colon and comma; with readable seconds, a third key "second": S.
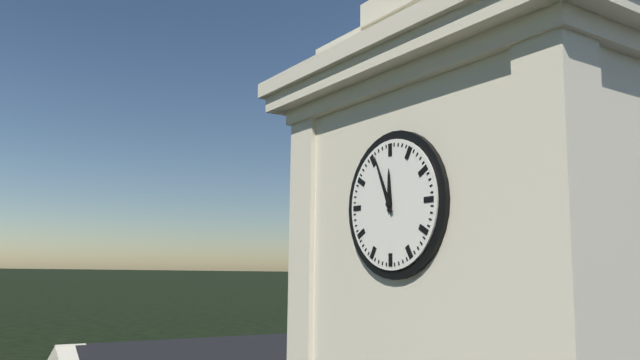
{"hour": 11, "minute": 56}
